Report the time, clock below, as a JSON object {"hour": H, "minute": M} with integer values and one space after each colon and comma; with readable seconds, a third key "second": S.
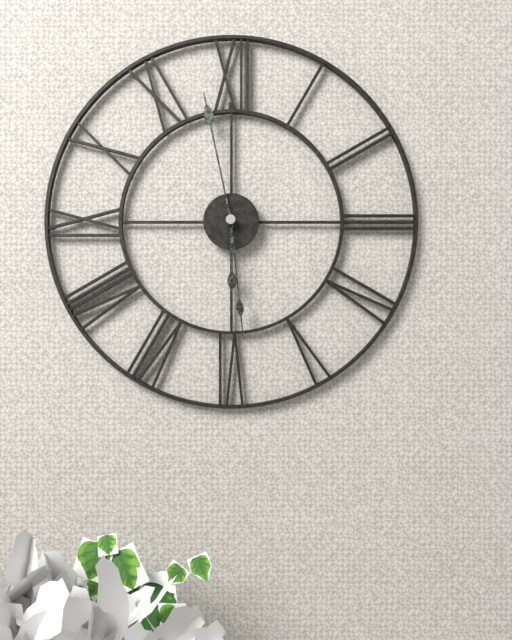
{"hour": 5, "minute": 58, "second": 29}
